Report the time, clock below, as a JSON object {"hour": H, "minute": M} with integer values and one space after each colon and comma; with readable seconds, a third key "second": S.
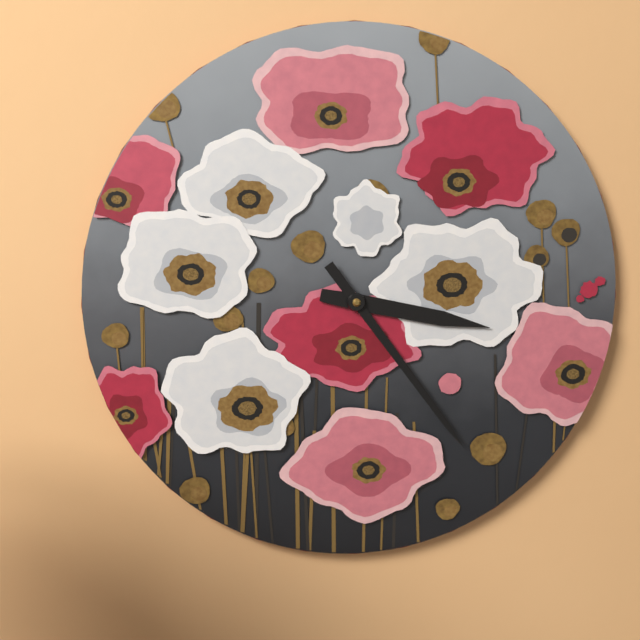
{"hour": 3, "minute": 24}
